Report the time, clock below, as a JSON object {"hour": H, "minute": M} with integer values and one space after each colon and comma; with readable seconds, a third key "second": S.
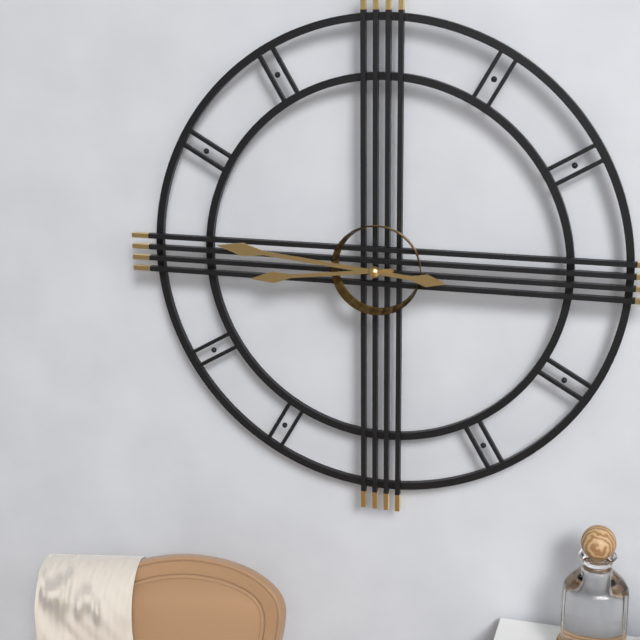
{"hour": 8, "minute": 46}
